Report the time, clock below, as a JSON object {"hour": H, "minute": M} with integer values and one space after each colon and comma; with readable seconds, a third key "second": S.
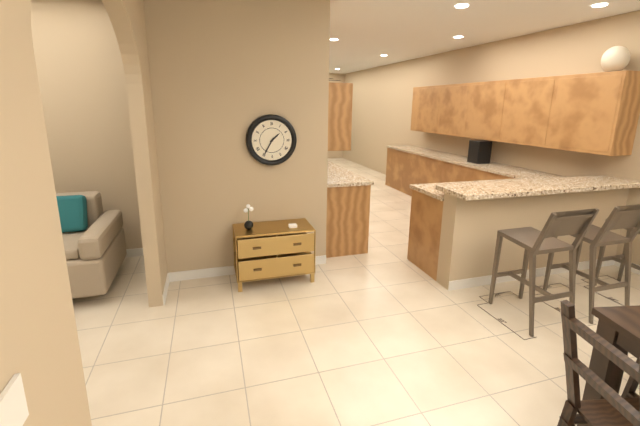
{"hour": 1, "minute": 35}
